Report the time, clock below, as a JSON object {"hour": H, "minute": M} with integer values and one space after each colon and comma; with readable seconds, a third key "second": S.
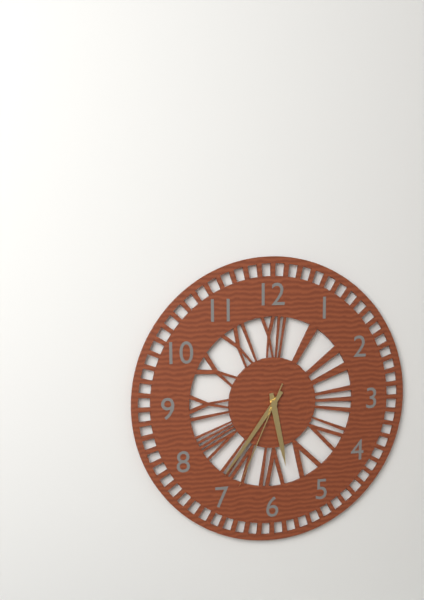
{"hour": 5, "minute": 36, "second": 34}
